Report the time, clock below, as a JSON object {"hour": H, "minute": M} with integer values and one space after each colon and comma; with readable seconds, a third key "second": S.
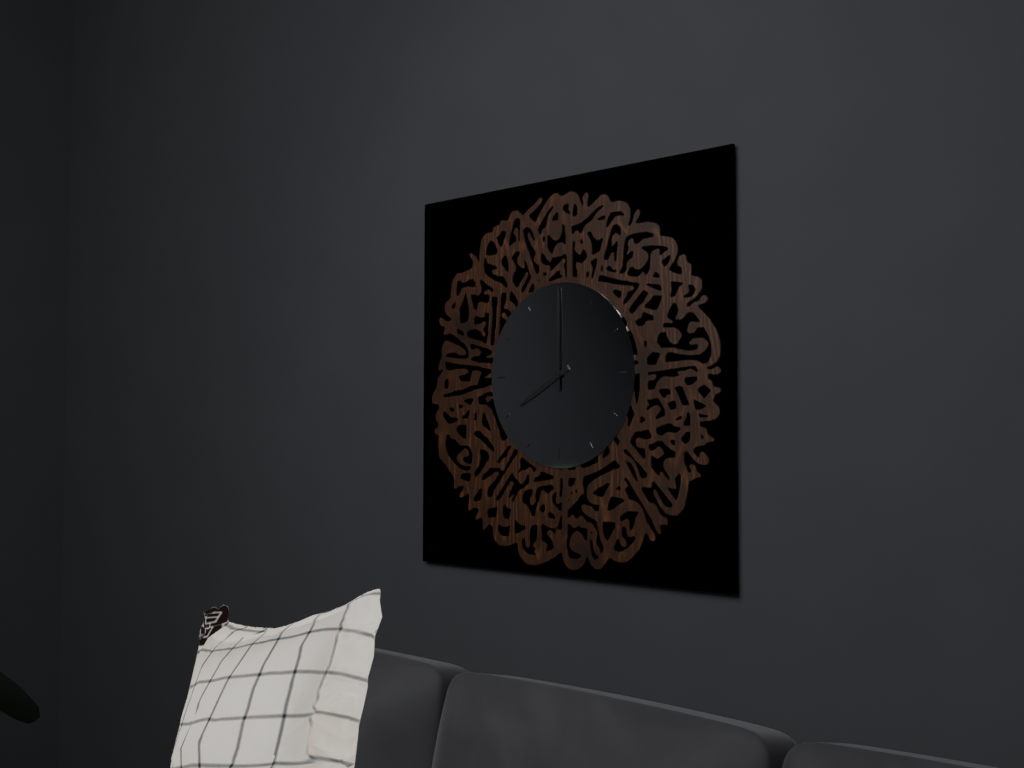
{"hour": 8, "minute": 0}
